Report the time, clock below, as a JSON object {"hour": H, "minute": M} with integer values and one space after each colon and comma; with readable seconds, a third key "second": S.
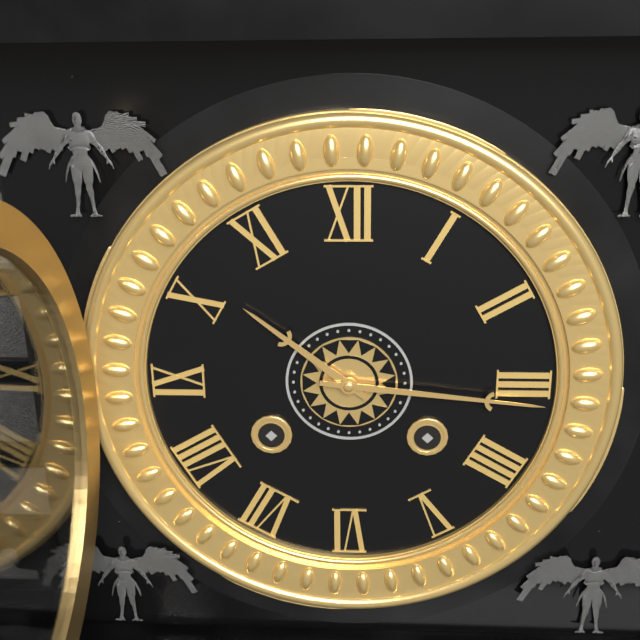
{"hour": 10, "minute": 16}
